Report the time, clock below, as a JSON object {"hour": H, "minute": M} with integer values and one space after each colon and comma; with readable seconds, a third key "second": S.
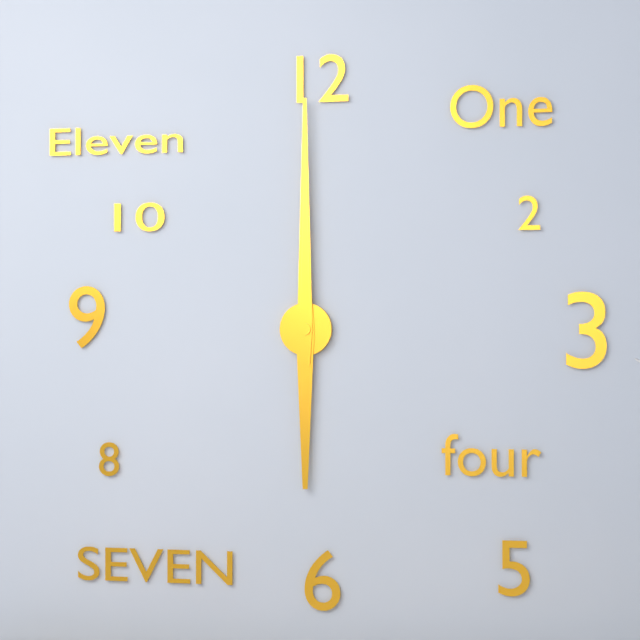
{"hour": 6, "minute": 0}
